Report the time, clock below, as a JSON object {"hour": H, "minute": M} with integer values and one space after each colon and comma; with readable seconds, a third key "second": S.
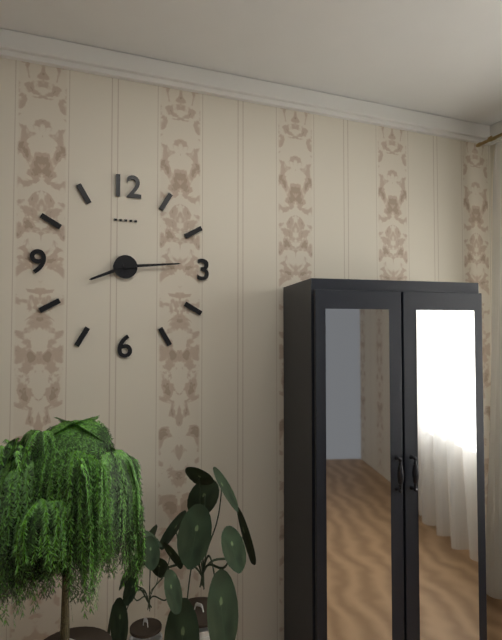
{"hour": 8, "minute": 14}
